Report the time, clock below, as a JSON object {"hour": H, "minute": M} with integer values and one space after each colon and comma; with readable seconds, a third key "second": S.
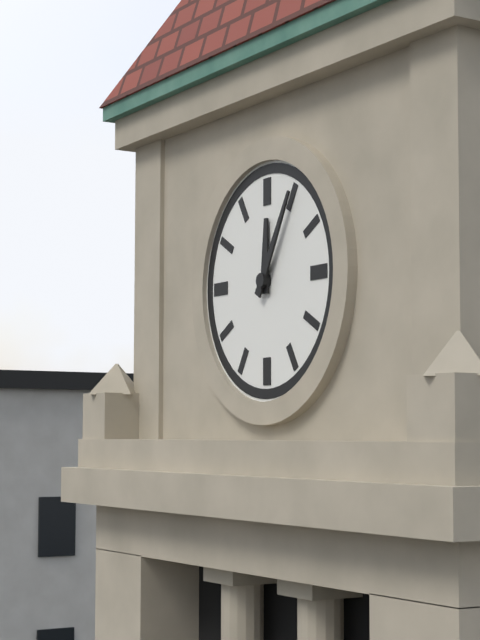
{"hour": 12, "minute": 5}
